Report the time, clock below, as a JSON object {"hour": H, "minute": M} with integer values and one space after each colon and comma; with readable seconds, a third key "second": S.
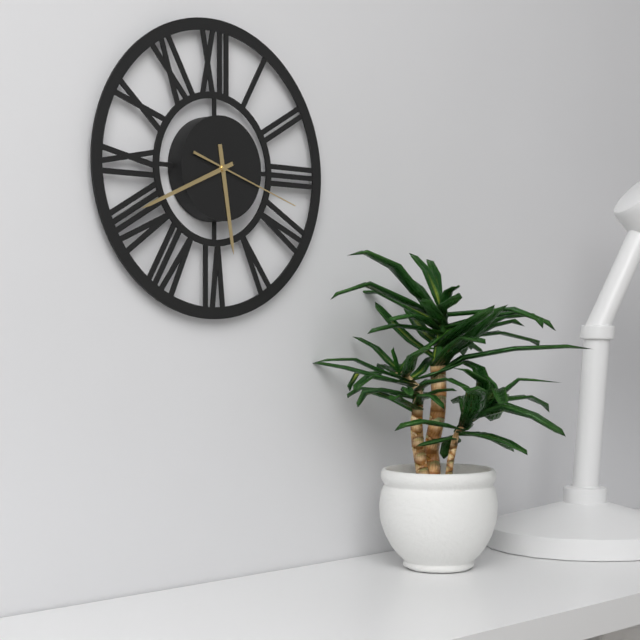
{"hour": 5, "minute": 41, "second": 18}
